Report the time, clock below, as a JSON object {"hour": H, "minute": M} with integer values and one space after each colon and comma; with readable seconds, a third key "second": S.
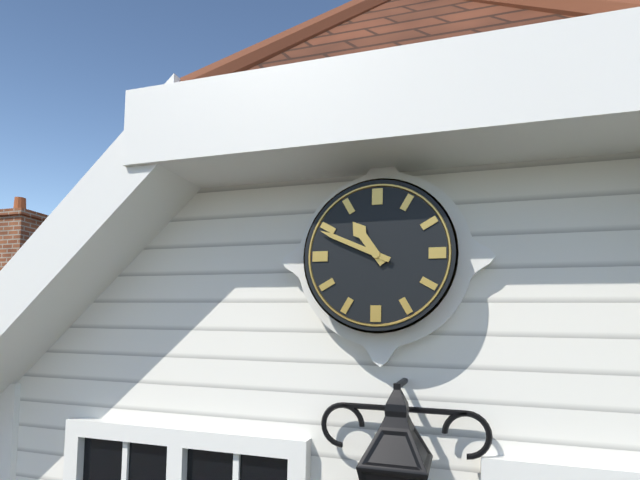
{"hour": 10, "minute": 49}
